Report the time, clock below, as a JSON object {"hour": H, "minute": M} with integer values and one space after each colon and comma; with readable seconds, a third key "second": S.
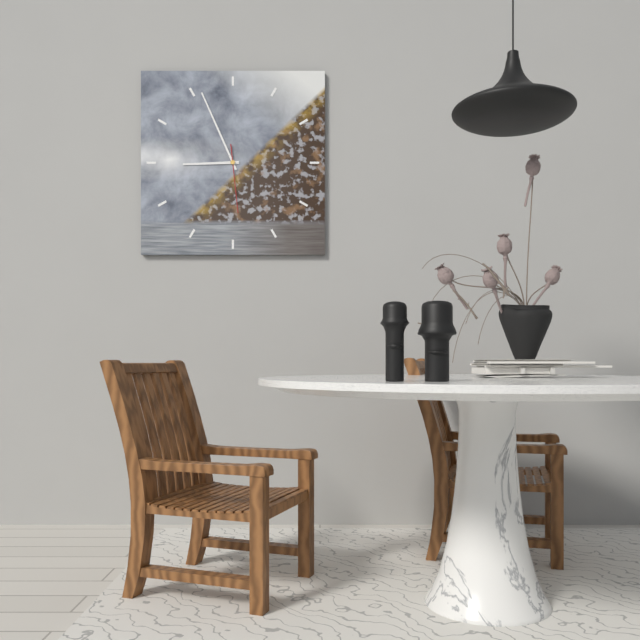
{"hour": 8, "minute": 56, "second": 29}
